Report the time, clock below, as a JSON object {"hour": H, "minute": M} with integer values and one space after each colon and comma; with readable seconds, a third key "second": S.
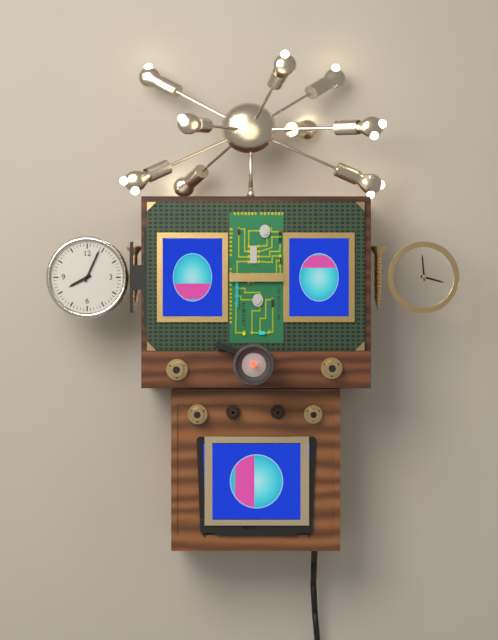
{"hour": 8, "minute": 4}
